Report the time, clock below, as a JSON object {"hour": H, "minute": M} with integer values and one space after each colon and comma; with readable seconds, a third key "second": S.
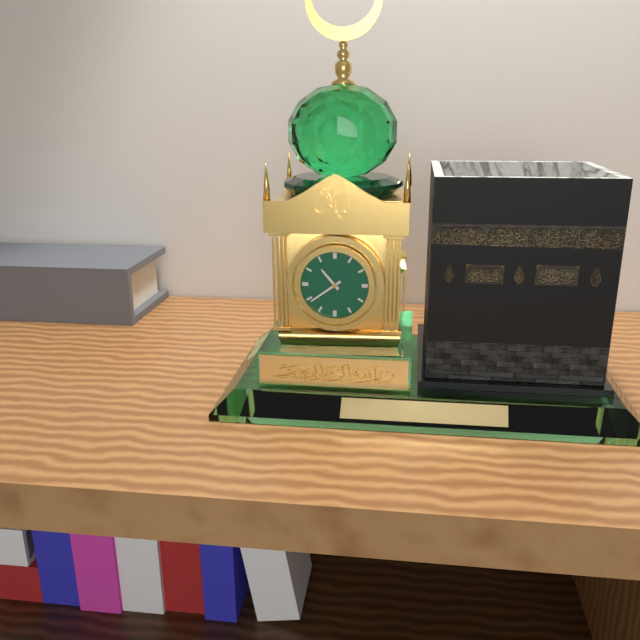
{"hour": 10, "minute": 39}
